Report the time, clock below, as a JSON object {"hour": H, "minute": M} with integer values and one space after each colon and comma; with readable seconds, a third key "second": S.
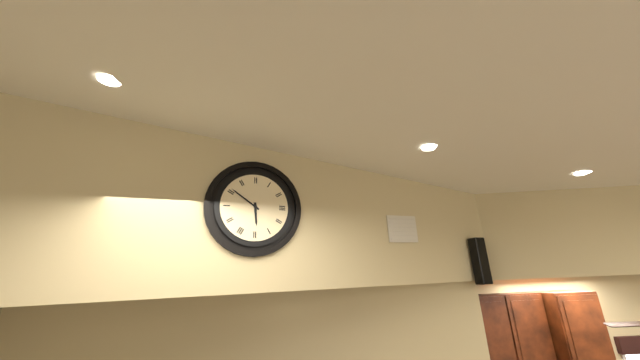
{"hour": 5, "minute": 51}
